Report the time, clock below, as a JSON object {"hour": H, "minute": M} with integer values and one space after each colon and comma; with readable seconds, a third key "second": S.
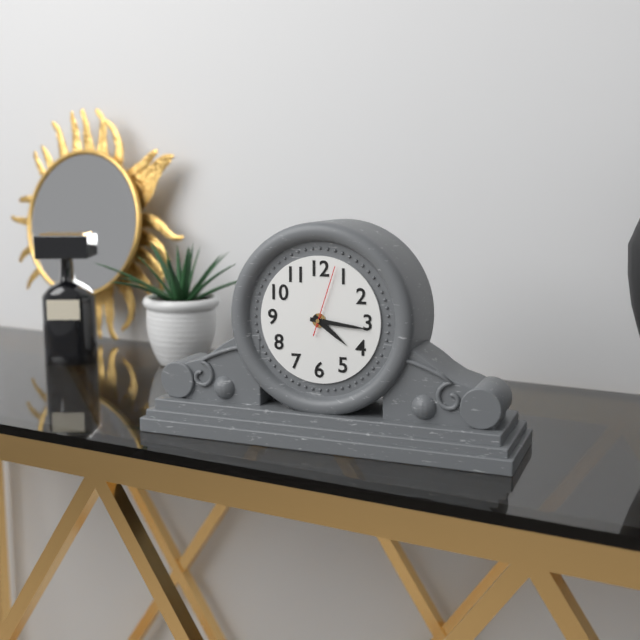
{"hour": 4, "minute": 16, "second": 3}
